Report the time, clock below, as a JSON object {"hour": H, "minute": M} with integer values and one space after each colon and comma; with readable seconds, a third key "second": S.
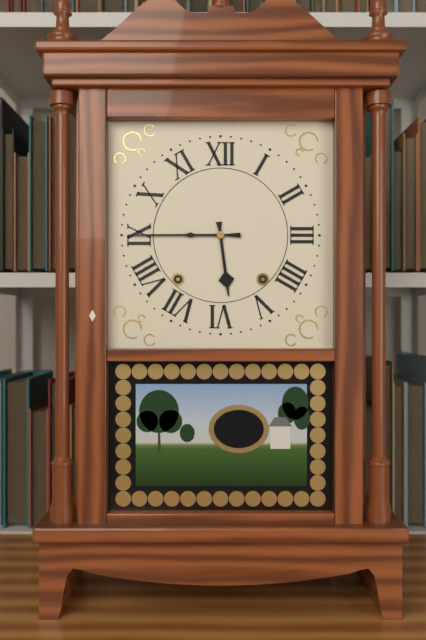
{"hour": 5, "minute": 45}
